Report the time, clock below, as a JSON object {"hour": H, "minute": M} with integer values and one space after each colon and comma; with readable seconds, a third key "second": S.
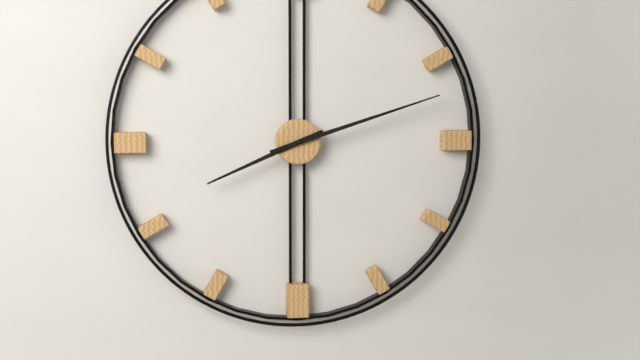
{"hour": 8, "minute": 12}
